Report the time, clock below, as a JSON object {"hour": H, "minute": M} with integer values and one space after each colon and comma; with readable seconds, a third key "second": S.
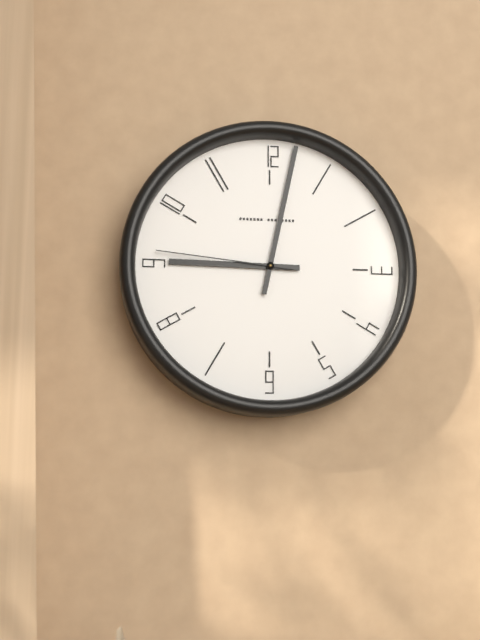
{"hour": 9, "minute": 2, "second": 46}
